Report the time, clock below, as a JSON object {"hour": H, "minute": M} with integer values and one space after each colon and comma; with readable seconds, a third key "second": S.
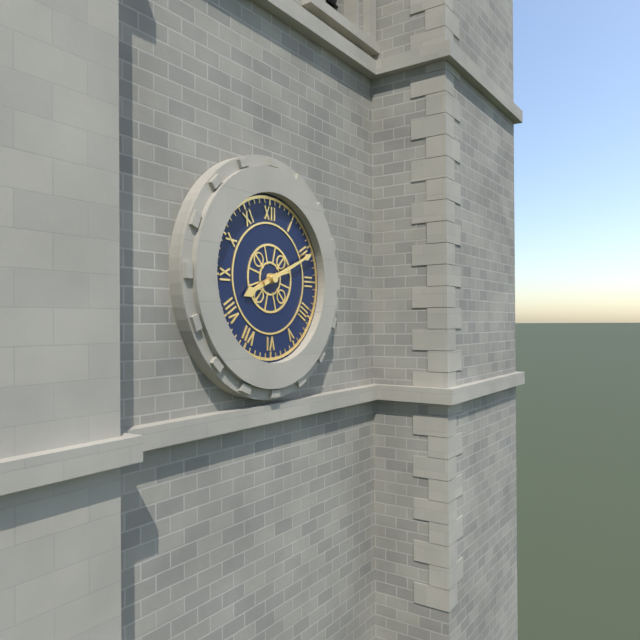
{"hour": 8, "minute": 11}
